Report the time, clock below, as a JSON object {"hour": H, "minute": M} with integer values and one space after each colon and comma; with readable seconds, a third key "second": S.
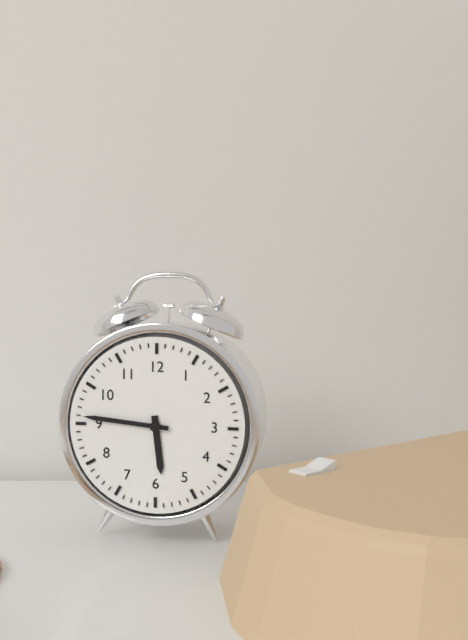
{"hour": 5, "minute": 46}
